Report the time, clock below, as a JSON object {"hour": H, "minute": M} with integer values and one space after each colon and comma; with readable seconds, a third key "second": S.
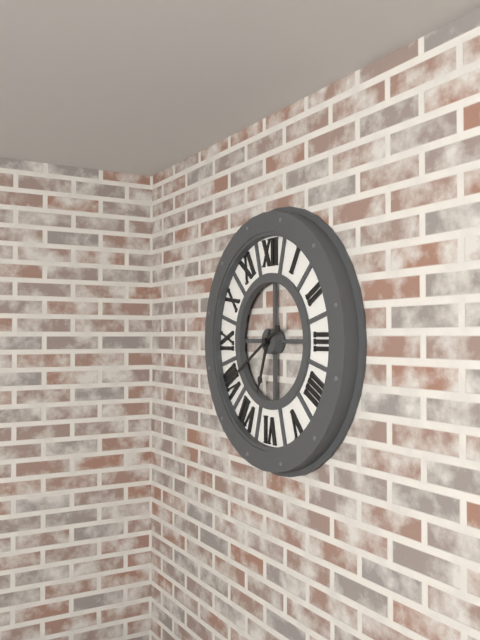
{"hour": 6, "minute": 40}
